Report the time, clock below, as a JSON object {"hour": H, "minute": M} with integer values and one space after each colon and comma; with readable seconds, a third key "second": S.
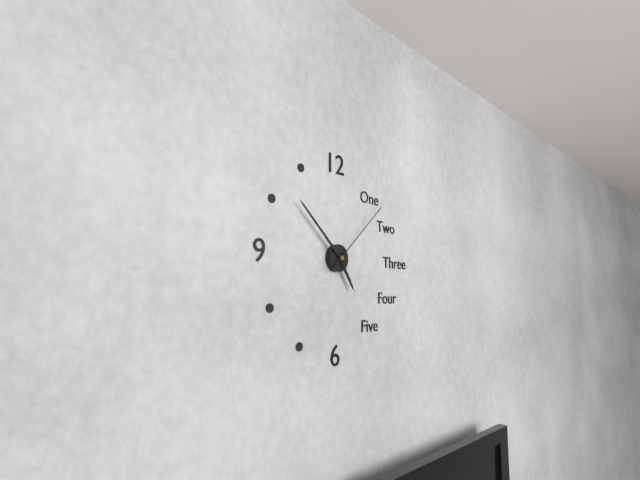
{"hour": 4, "minute": 52, "second": 8}
